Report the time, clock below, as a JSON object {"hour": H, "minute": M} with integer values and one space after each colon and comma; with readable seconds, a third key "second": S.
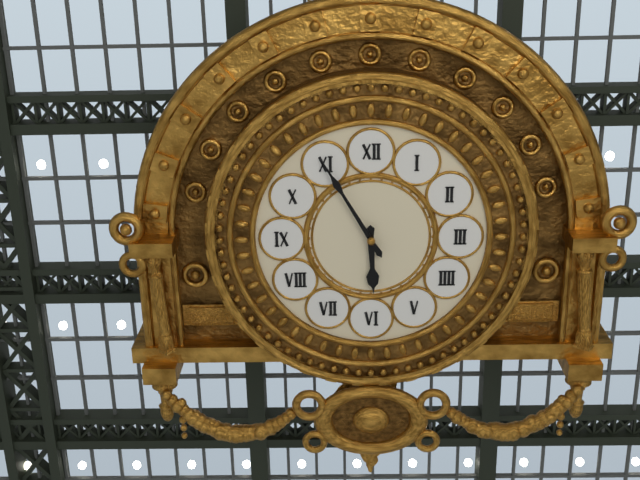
{"hour": 5, "minute": 55}
